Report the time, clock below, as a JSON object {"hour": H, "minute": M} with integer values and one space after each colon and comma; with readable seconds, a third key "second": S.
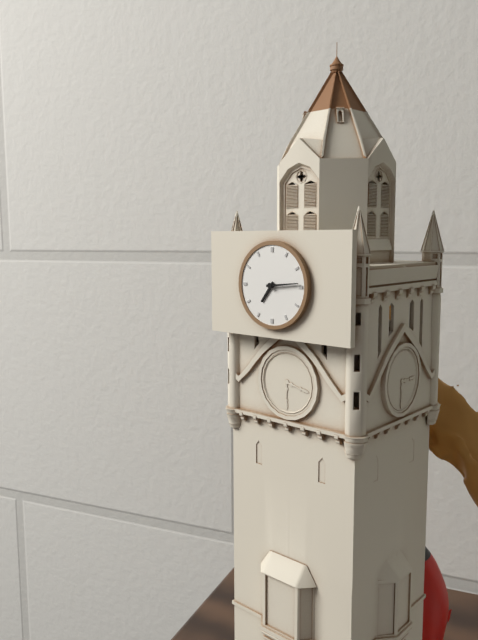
{"hour": 7, "minute": 14}
